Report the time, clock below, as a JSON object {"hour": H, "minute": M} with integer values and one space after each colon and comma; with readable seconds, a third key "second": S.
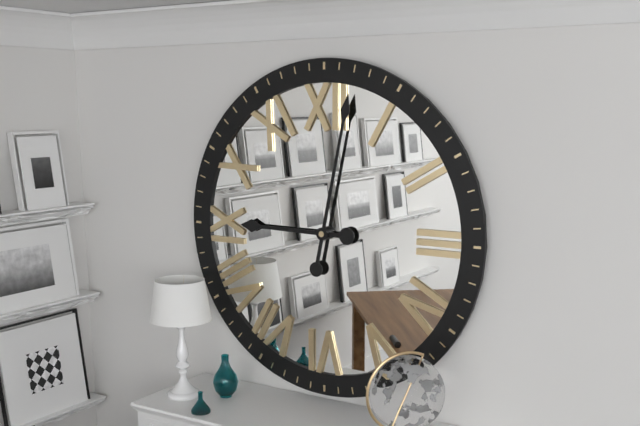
{"hour": 9, "minute": 2}
